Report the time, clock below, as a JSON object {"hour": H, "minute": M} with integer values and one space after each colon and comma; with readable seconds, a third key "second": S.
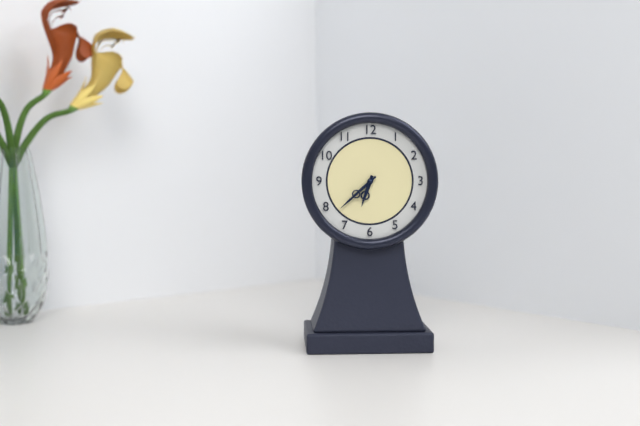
{"hour": 6, "minute": 38}
